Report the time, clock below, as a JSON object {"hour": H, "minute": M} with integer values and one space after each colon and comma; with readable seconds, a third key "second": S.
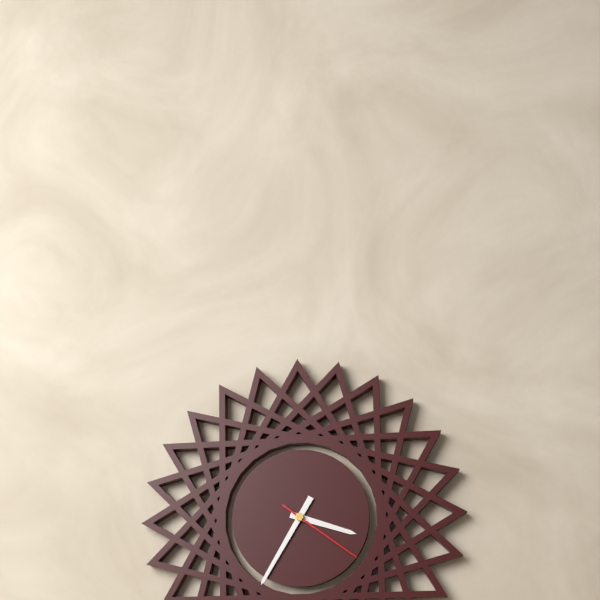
{"hour": 3, "minute": 35, "second": 21}
